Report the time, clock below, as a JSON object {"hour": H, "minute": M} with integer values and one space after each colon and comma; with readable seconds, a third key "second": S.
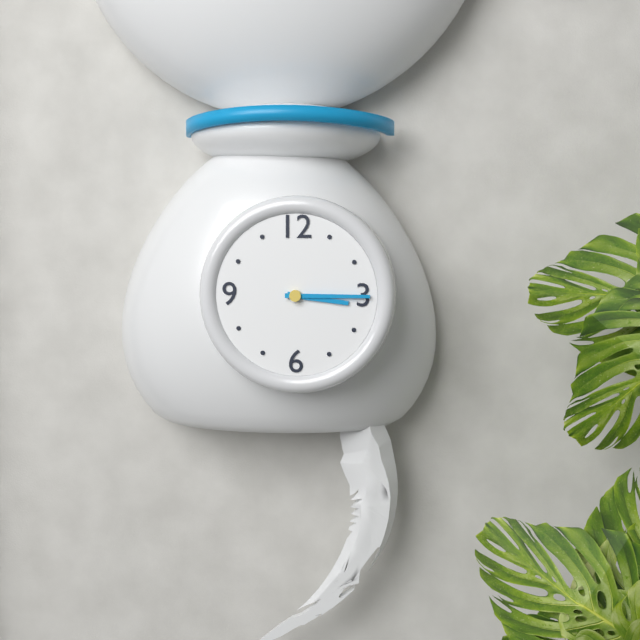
{"hour": 3, "minute": 15}
